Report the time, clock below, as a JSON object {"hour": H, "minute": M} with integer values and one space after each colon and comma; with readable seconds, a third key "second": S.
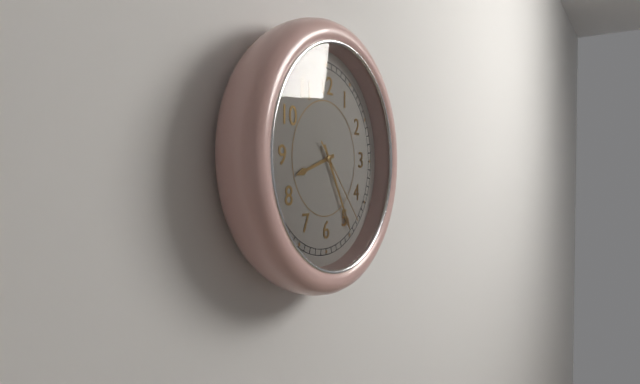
{"hour": 8, "minute": 25, "second": 23}
